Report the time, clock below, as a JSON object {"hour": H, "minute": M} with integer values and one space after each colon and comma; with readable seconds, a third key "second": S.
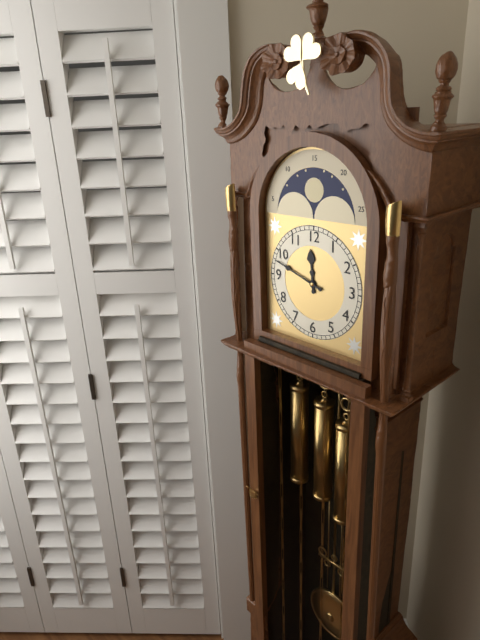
{"hour": 11, "minute": 48}
